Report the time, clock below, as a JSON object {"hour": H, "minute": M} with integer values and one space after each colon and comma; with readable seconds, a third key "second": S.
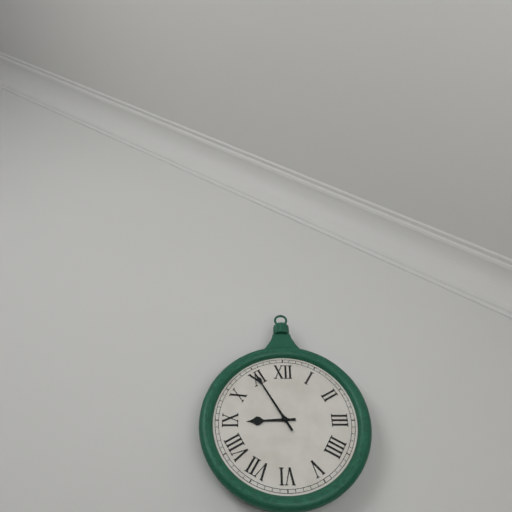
{"hour": 8, "minute": 55}
